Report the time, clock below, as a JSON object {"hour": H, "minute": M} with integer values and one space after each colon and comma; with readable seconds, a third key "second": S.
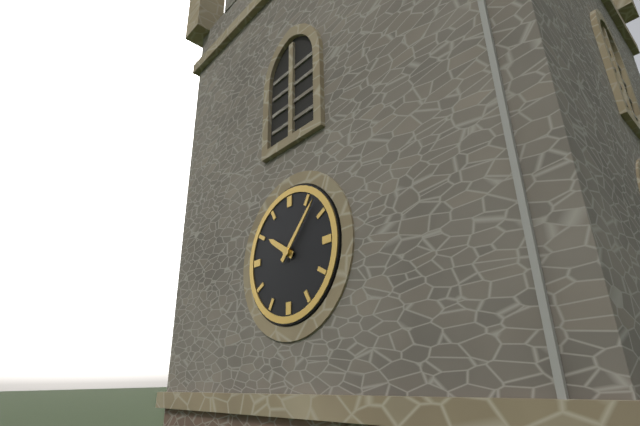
{"hour": 10, "minute": 7}
